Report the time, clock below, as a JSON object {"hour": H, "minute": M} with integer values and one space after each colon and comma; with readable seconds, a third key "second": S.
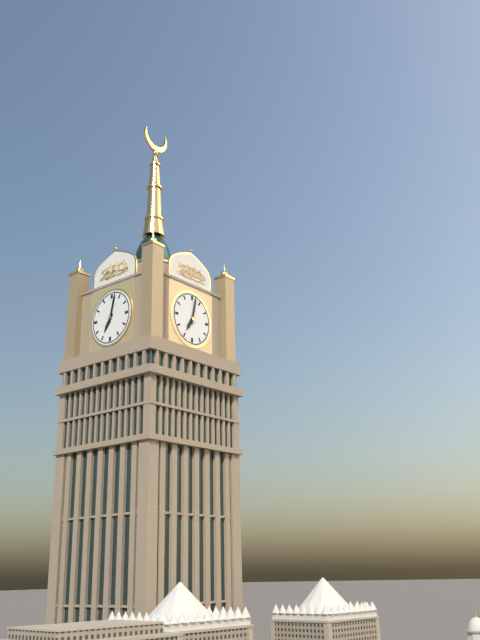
{"hour": 7, "minute": 2}
